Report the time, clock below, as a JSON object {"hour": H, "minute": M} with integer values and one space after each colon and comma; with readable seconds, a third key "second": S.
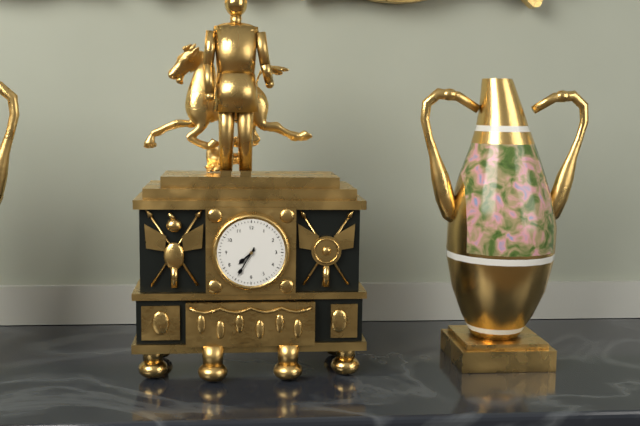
{"hour": 7, "minute": 35}
